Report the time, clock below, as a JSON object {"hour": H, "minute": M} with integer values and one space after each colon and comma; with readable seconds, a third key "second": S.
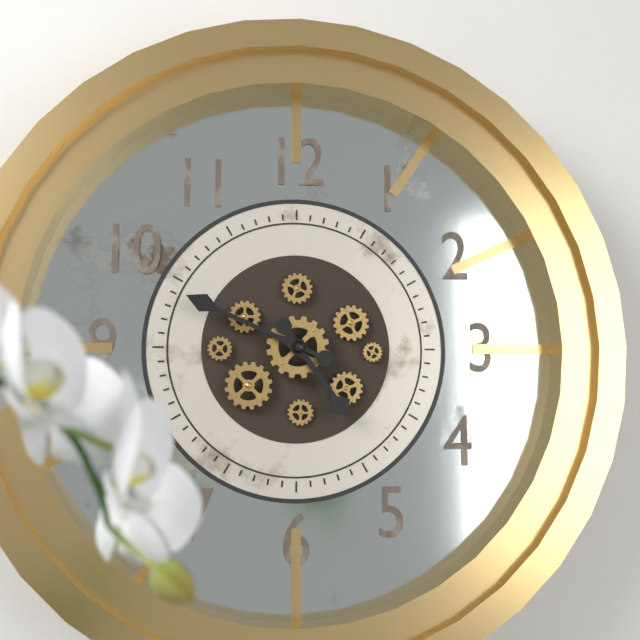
{"hour": 4, "minute": 49}
